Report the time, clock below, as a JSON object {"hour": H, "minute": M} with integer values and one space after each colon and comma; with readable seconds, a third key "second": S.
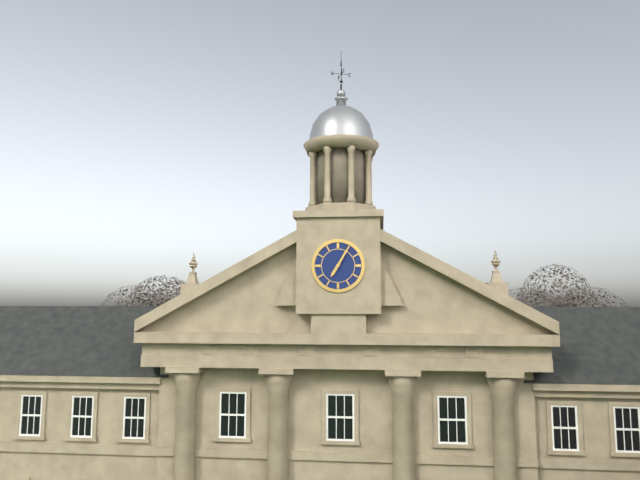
{"hour": 7, "minute": 5}
